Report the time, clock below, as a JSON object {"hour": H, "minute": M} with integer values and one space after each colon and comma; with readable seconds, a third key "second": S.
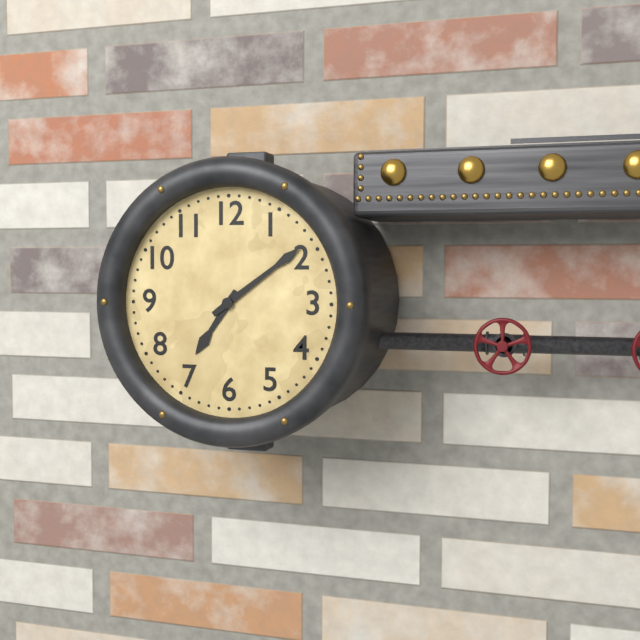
{"hour": 7, "minute": 9}
